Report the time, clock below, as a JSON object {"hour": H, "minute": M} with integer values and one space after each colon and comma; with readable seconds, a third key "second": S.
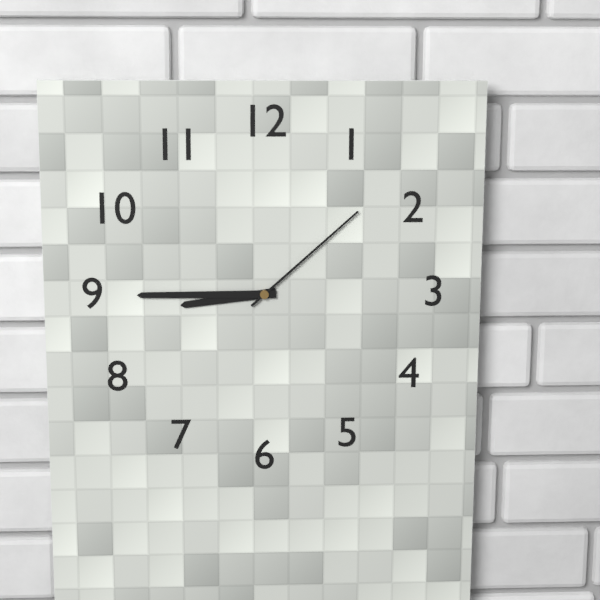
{"hour": 8, "minute": 45, "second": 8}
